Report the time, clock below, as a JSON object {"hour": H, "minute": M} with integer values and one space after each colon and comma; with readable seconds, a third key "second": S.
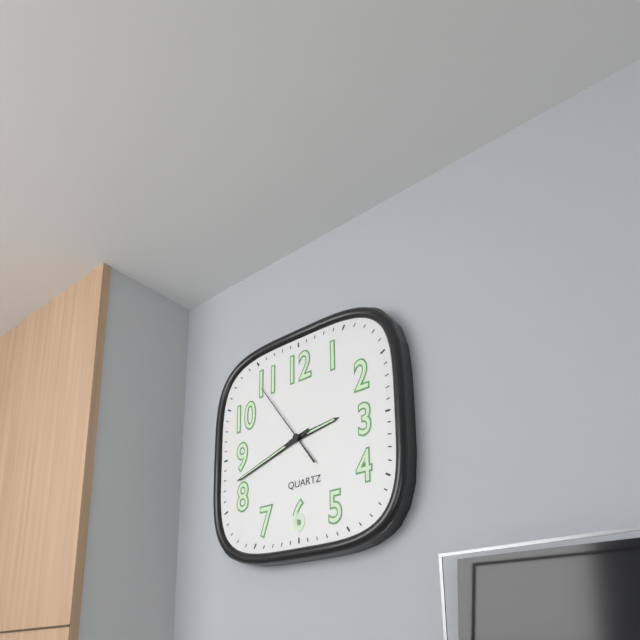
{"hour": 2, "minute": 42, "second": 54}
